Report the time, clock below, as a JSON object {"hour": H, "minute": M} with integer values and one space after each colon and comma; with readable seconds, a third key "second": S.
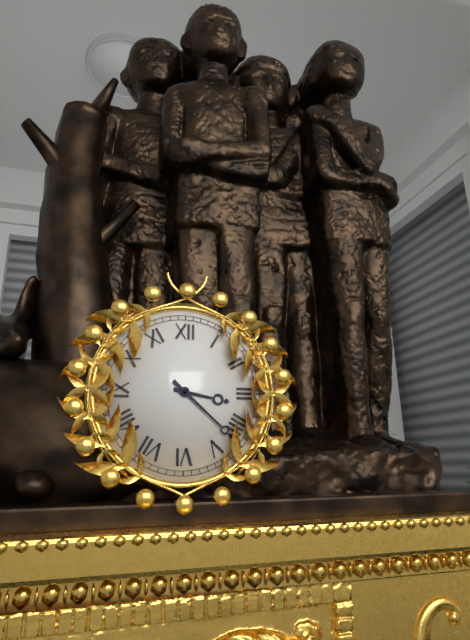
{"hour": 3, "minute": 22}
